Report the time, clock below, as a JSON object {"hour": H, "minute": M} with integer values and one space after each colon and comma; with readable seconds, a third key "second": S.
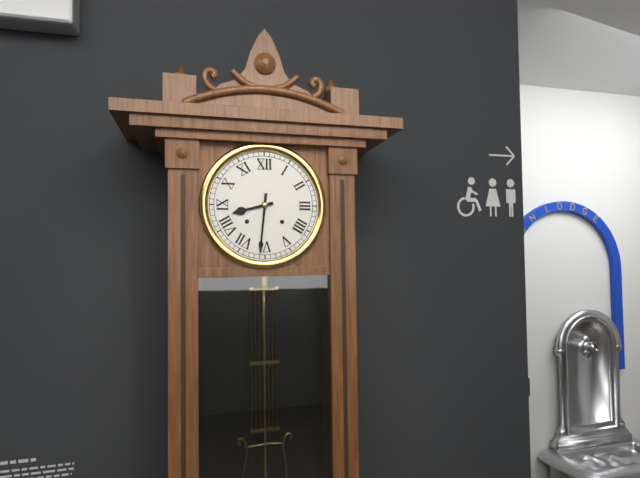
{"hour": 8, "minute": 31}
